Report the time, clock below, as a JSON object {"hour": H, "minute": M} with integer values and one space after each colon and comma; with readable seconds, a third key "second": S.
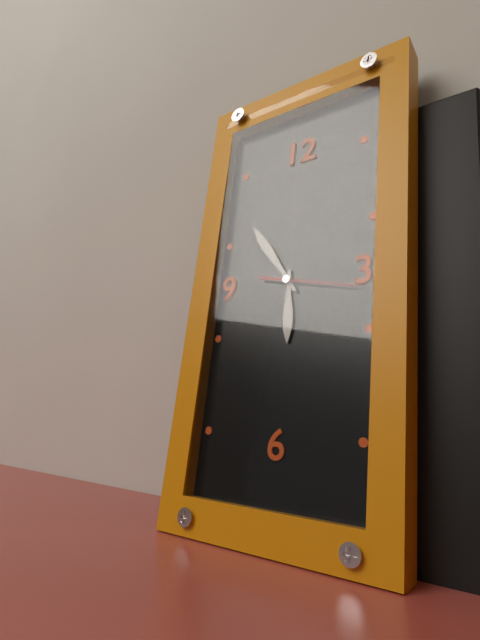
{"hour": 5, "minute": 54, "second": 17}
